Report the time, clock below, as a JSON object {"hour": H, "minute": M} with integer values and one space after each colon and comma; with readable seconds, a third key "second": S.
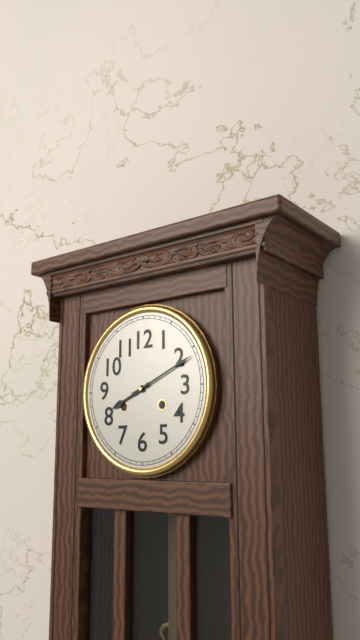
{"hour": 8, "minute": 11}
